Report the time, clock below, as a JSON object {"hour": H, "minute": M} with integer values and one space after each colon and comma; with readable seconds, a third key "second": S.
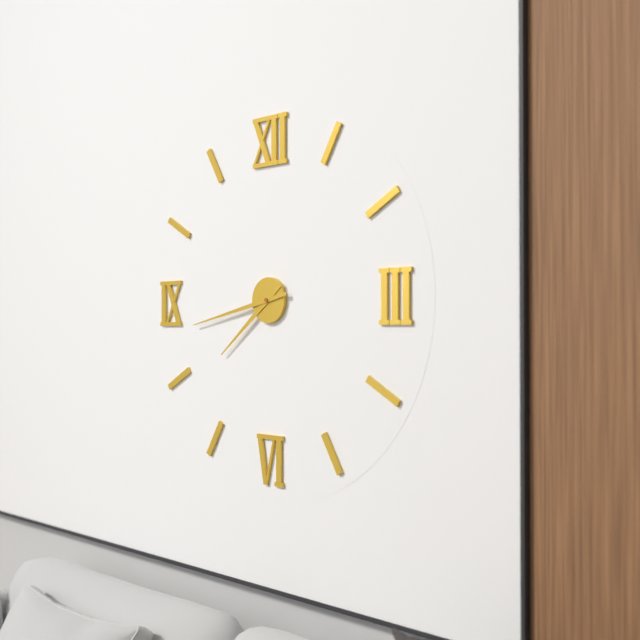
{"hour": 7, "minute": 43}
